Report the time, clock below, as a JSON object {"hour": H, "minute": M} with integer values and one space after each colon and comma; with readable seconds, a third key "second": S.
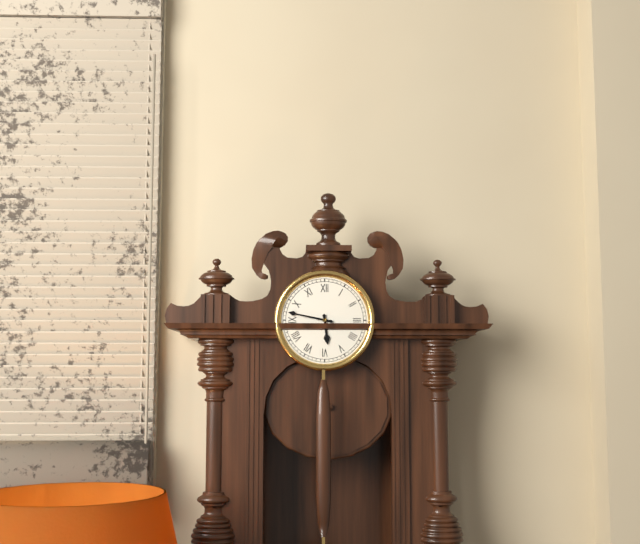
{"hour": 5, "minute": 47}
